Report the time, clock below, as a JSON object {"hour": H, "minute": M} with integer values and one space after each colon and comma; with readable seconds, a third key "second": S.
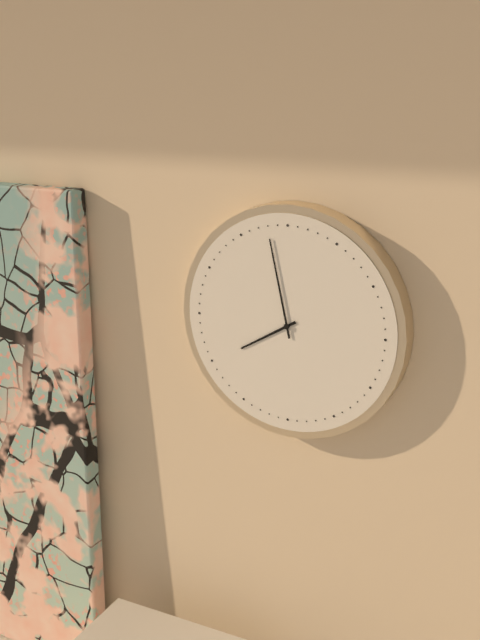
{"hour": 7, "minute": 58}
